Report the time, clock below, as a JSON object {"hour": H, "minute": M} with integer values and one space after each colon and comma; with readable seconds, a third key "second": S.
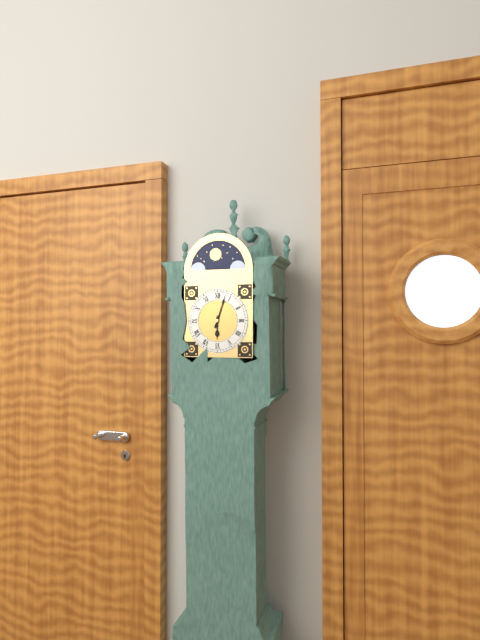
{"hour": 6, "minute": 3}
